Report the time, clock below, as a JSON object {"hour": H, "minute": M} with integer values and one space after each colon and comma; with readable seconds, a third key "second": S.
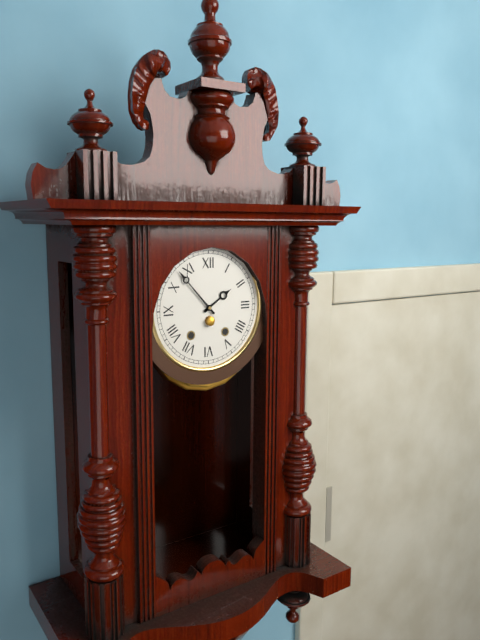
{"hour": 1, "minute": 53}
